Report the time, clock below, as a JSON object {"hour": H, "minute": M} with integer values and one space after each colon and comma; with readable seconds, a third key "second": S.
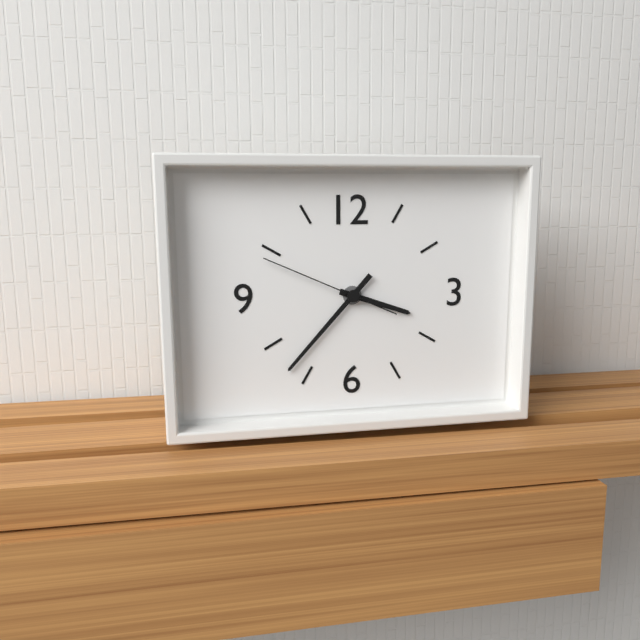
{"hour": 3, "minute": 37, "second": 49}
